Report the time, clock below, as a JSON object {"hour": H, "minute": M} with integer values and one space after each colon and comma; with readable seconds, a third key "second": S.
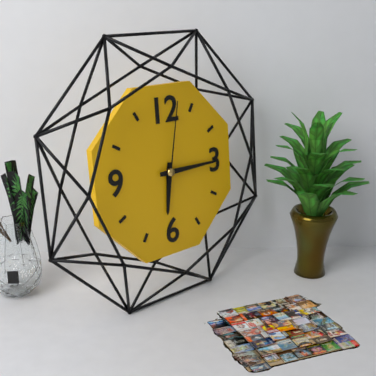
{"hour": 6, "minute": 15, "second": 2}
